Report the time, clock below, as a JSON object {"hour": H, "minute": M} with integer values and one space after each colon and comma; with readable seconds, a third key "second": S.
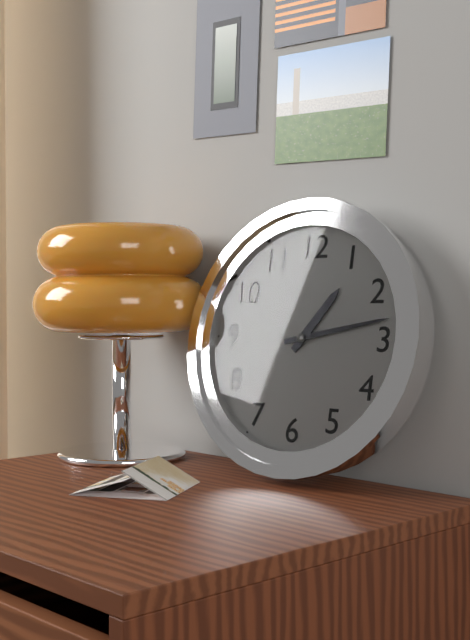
{"hour": 1, "minute": 13}
